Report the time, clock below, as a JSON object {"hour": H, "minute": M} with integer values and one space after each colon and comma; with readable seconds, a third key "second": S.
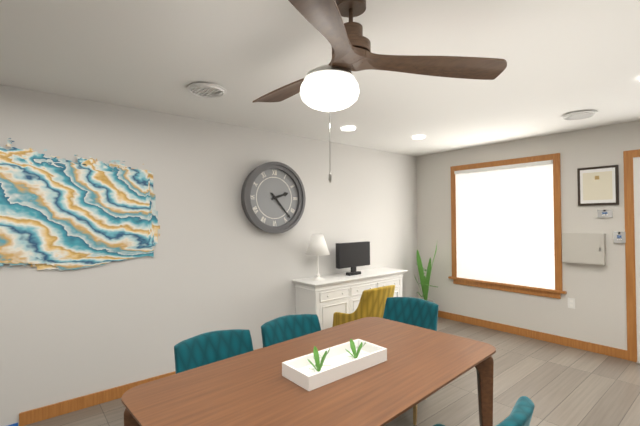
{"hour": 2, "minute": 23}
